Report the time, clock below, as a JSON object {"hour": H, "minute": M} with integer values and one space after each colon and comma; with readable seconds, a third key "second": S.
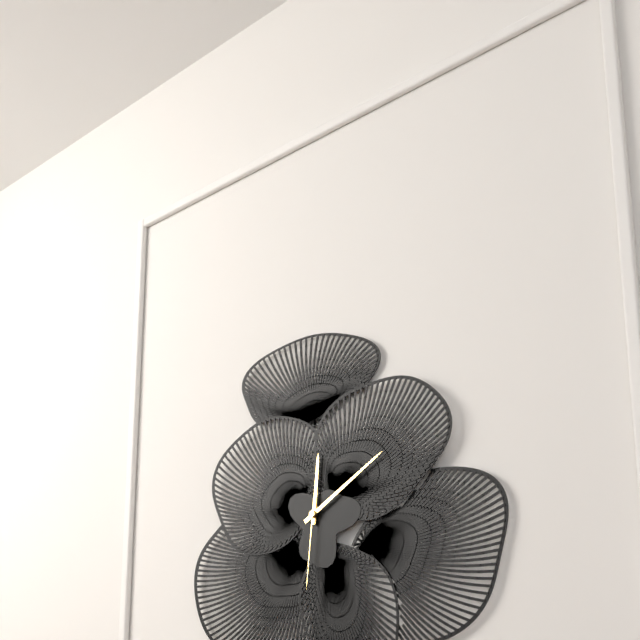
{"hour": 12, "minute": 10, "second": 31}
